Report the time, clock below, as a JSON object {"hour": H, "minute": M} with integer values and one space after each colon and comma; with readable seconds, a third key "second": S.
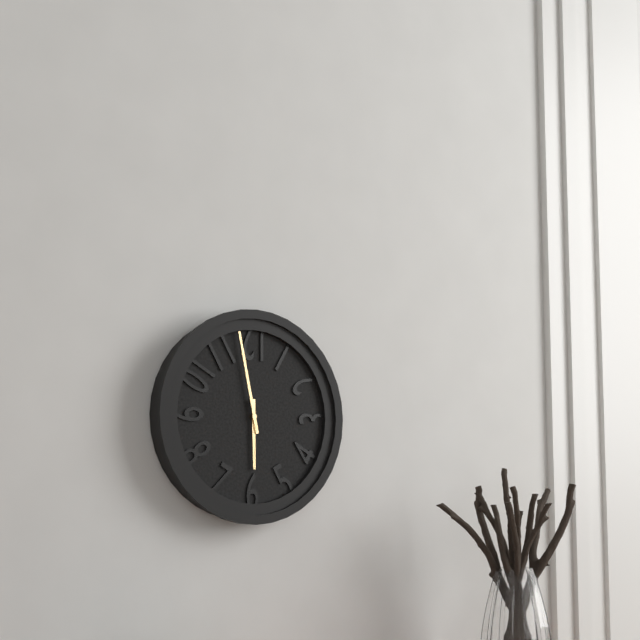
{"hour": 5, "minute": 58}
